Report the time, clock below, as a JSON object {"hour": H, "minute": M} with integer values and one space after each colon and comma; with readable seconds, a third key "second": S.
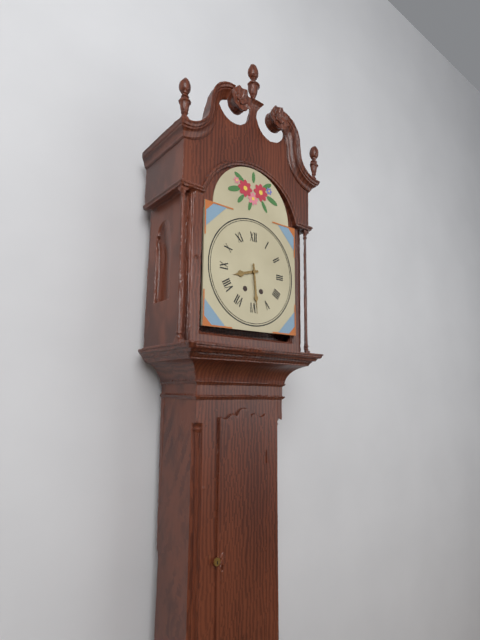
{"hour": 8, "minute": 29}
